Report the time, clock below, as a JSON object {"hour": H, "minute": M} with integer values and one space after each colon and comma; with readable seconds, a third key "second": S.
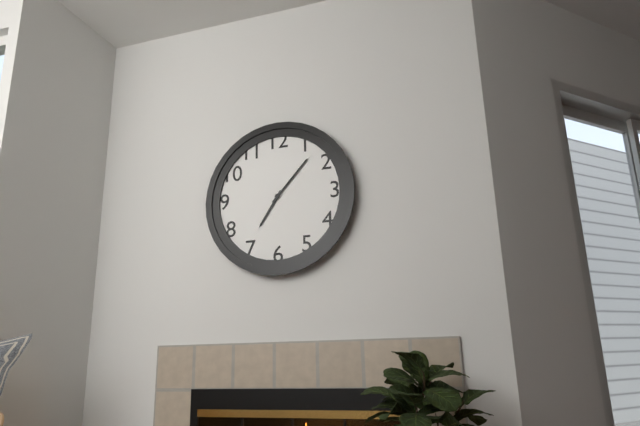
{"hour": 7, "minute": 7}
